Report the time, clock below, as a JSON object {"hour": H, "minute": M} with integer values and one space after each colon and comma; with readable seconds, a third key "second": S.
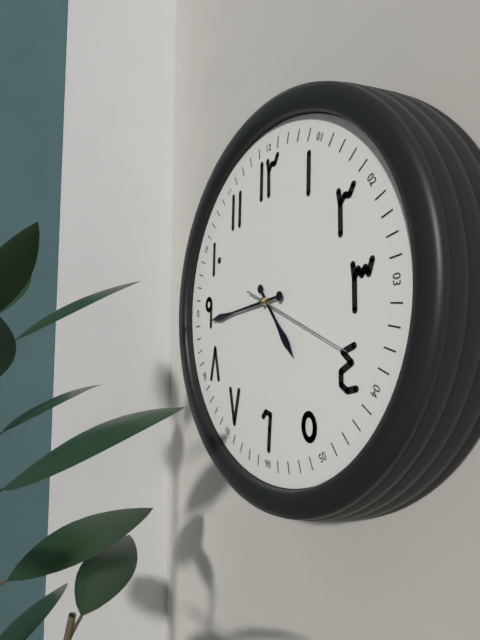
{"hour": 4, "minute": 44, "second": 19}
